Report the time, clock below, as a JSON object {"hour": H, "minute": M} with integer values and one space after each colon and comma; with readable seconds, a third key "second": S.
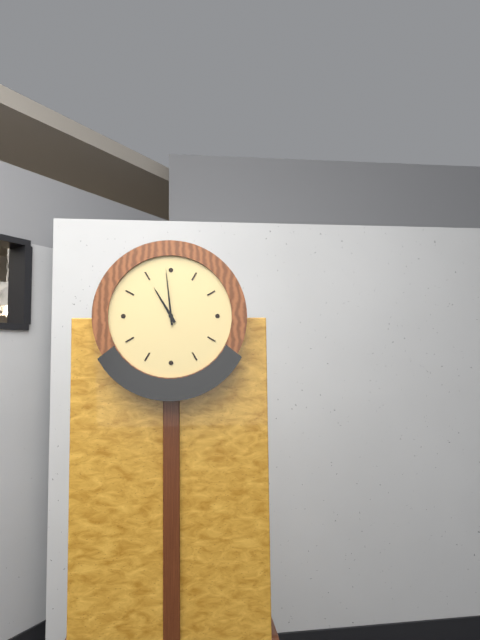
{"hour": 10, "minute": 59}
